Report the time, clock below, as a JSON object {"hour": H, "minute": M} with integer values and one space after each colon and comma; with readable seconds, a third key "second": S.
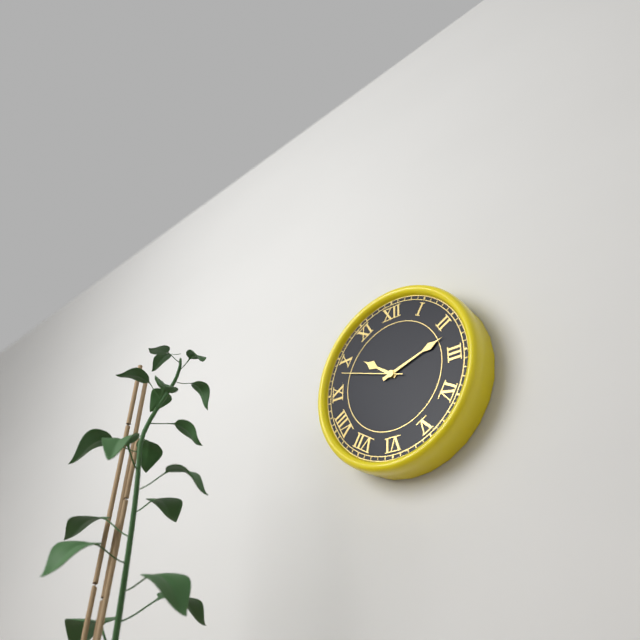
{"hour": 10, "minute": 12, "second": 48}
